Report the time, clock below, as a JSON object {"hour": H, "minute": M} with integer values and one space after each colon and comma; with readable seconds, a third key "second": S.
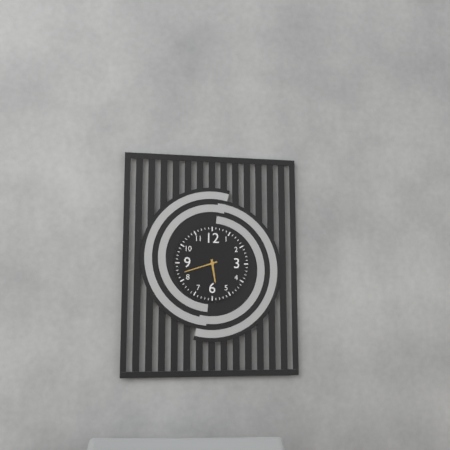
{"hour": 5, "minute": 42}
